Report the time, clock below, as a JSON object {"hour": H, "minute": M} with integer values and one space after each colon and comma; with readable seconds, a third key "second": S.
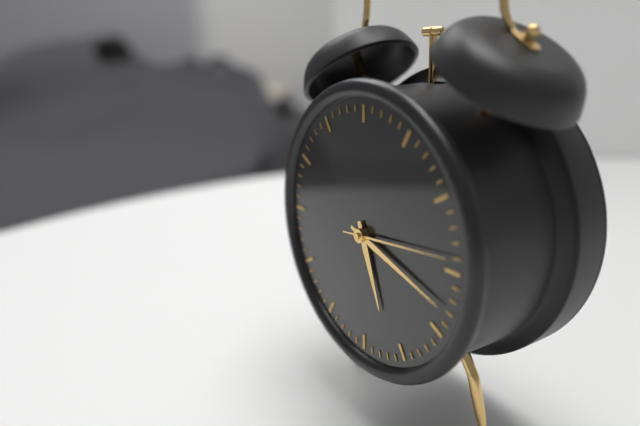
{"hour": 5, "minute": 18, "second": 14}
